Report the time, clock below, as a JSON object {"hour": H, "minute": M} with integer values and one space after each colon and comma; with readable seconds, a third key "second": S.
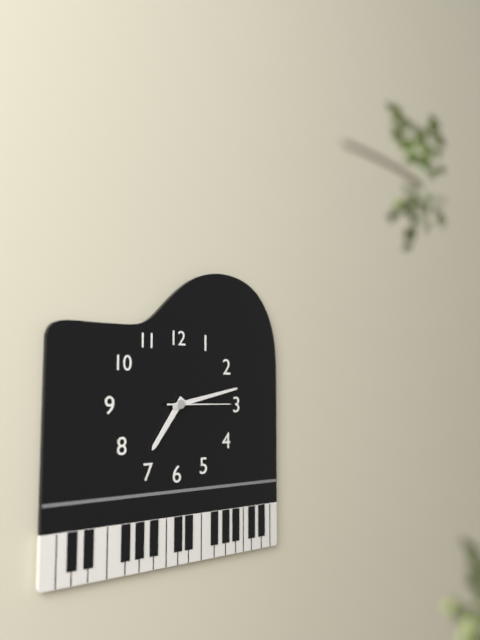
{"hour": 7, "minute": 13, "second": 15}
